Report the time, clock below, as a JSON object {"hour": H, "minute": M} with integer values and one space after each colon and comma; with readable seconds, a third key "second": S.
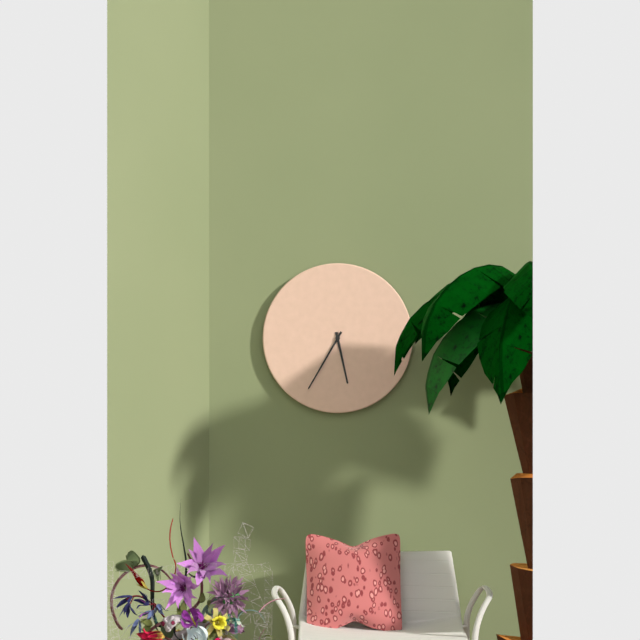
{"hour": 5, "minute": 35}
